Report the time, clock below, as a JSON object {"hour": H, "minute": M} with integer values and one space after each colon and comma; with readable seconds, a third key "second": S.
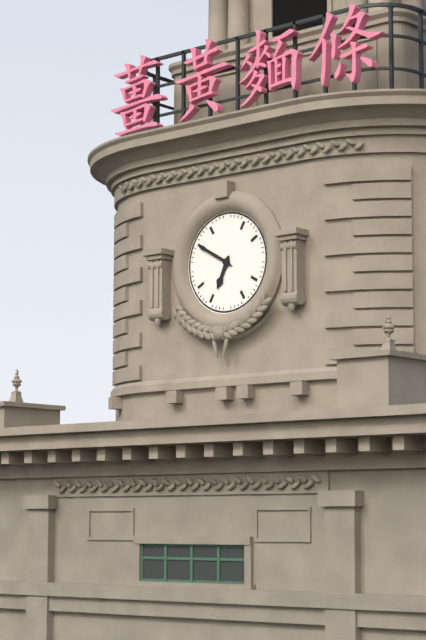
{"hour": 6, "minute": 50}
